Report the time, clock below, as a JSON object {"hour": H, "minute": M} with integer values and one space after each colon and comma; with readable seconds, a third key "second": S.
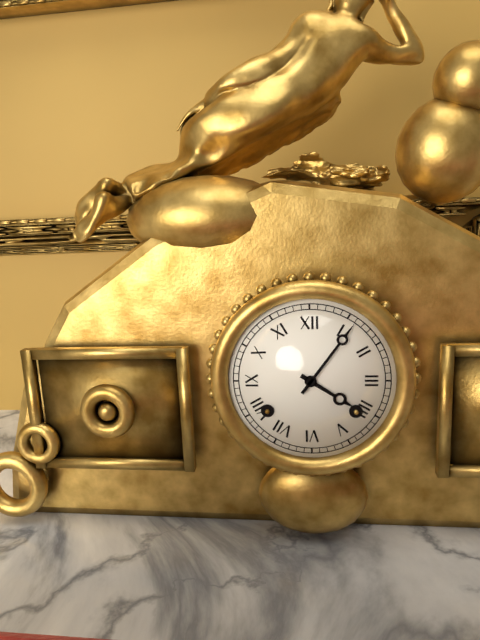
{"hour": 4, "minute": 6}
